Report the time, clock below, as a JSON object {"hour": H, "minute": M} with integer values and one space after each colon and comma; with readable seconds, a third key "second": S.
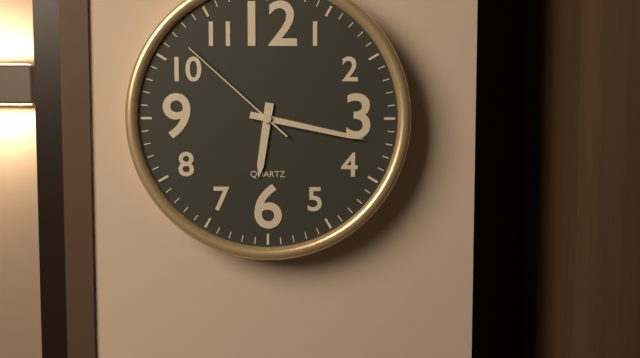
{"hour": 6, "minute": 17, "second": 52}
